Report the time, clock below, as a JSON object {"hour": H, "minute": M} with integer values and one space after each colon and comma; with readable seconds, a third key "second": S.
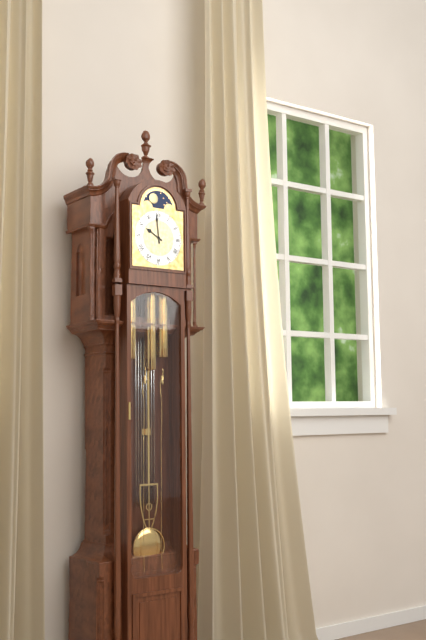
{"hour": 9, "minute": 59}
